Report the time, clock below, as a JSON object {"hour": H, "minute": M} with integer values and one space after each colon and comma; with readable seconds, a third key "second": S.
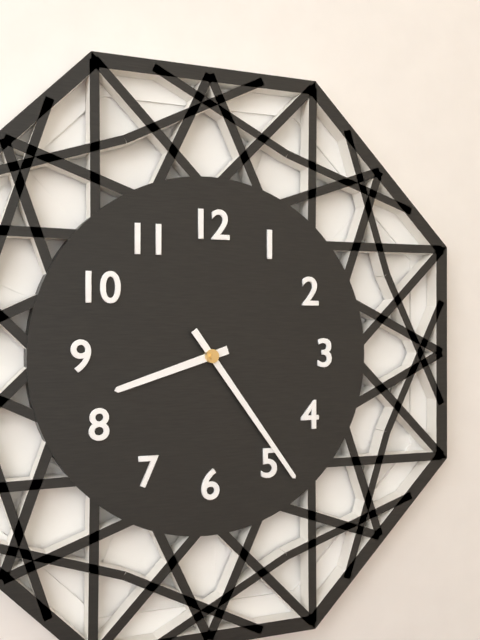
{"hour": 8, "minute": 24}
